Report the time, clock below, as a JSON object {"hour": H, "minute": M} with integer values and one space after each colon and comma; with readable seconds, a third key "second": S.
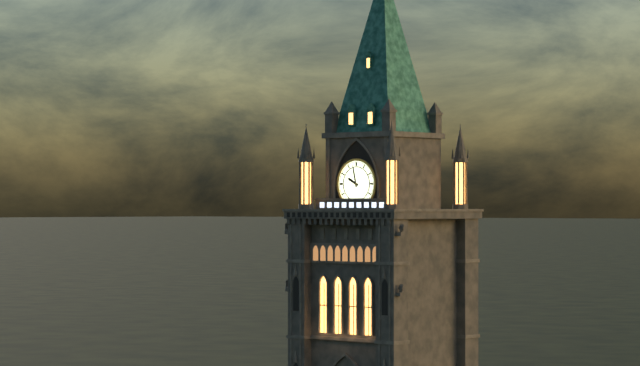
{"hour": 9, "minute": 58}
